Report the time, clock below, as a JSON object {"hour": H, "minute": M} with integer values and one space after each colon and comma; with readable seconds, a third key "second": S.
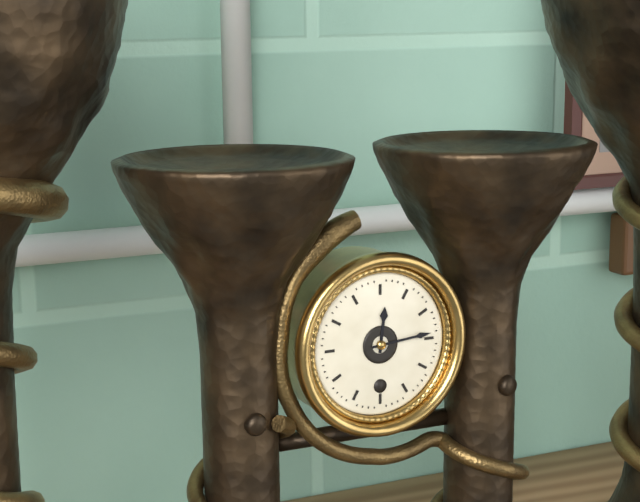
{"hour": 12, "minute": 14}
